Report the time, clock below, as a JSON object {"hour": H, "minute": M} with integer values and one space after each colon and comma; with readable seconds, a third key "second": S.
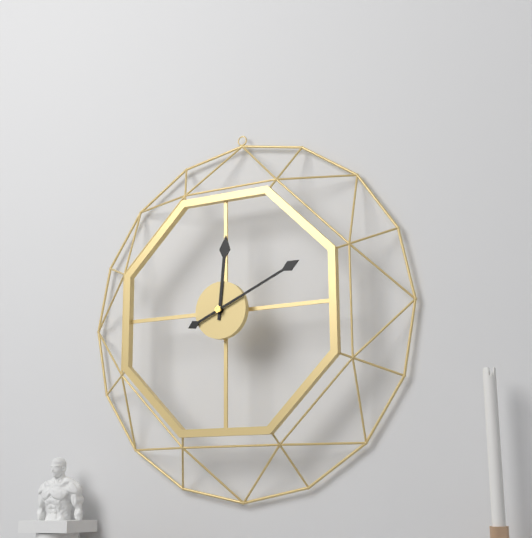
{"hour": 12, "minute": 11}
